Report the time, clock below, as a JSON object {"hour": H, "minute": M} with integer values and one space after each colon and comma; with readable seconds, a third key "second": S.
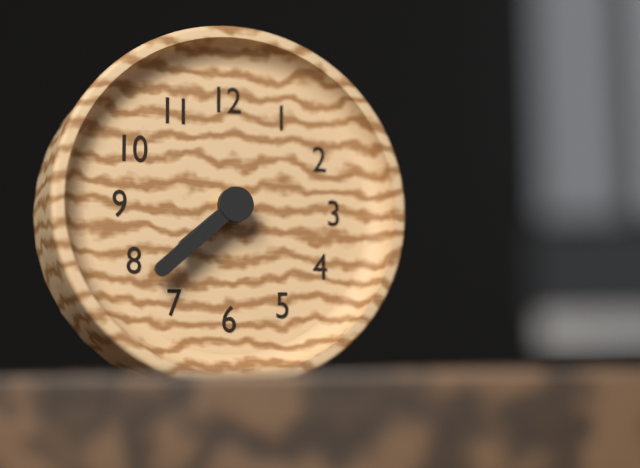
{"hour": 7, "minute": 38}
